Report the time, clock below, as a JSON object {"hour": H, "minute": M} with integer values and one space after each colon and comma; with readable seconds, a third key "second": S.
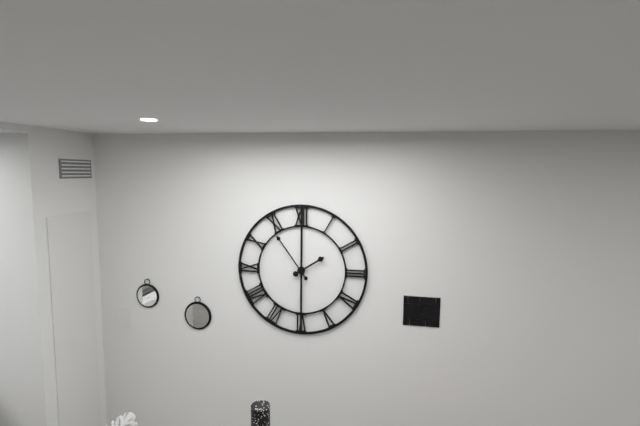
{"hour": 1, "minute": 54}
